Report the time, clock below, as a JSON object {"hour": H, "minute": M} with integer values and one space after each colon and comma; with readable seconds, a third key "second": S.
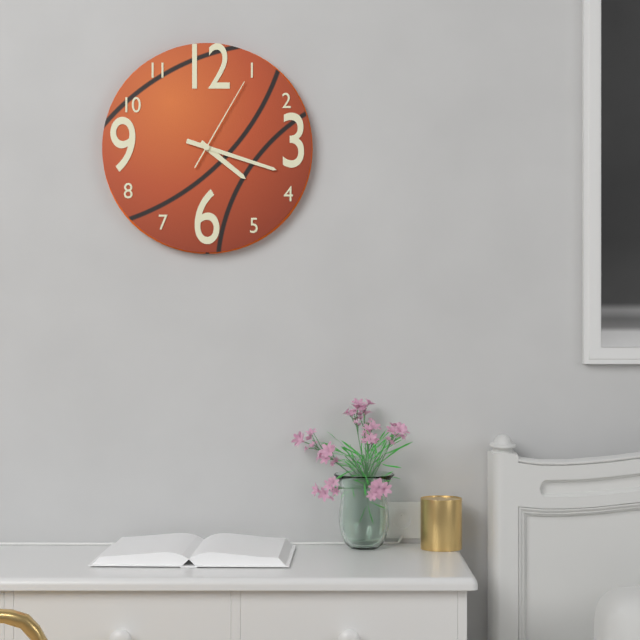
{"hour": 4, "minute": 18, "second": 5}
